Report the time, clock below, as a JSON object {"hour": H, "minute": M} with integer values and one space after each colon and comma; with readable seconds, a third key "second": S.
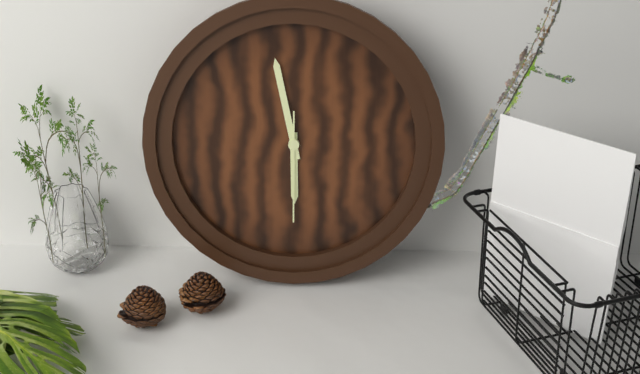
{"hour": 5, "minute": 58, "second": 30}
